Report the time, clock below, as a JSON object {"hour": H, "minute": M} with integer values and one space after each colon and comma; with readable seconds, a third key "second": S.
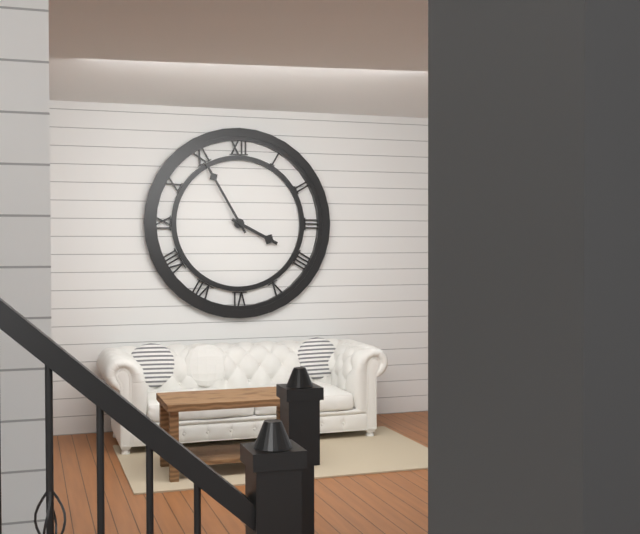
{"hour": 3, "minute": 55}
